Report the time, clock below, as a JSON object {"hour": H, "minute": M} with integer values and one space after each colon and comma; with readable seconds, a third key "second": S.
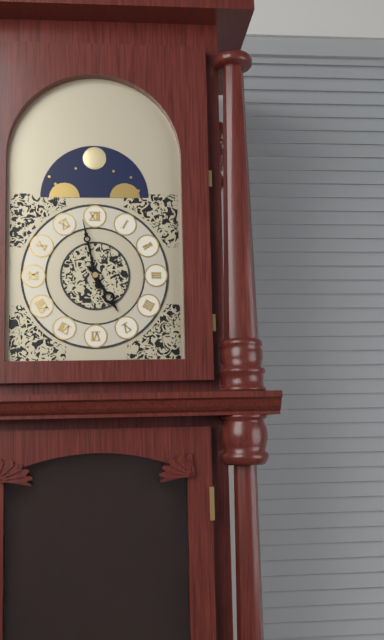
{"hour": 4, "minute": 58}
